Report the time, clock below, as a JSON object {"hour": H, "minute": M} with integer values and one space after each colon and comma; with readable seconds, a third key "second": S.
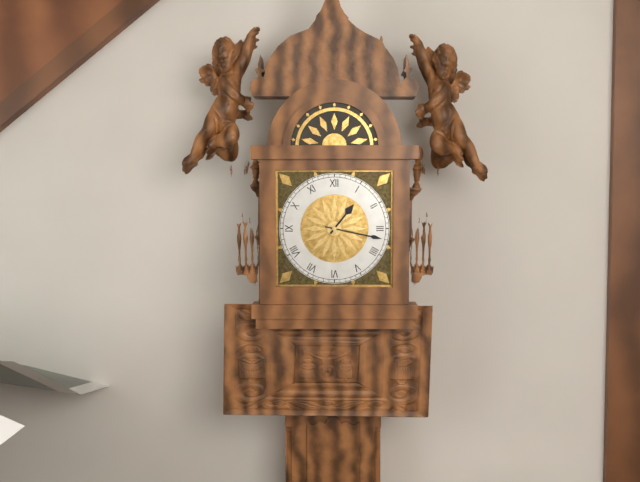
{"hour": 1, "minute": 17}
